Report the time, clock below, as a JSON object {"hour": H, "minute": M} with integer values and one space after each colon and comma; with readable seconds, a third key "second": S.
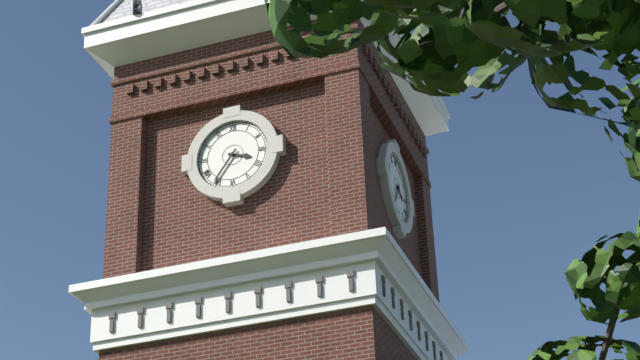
{"hour": 3, "minute": 36}
